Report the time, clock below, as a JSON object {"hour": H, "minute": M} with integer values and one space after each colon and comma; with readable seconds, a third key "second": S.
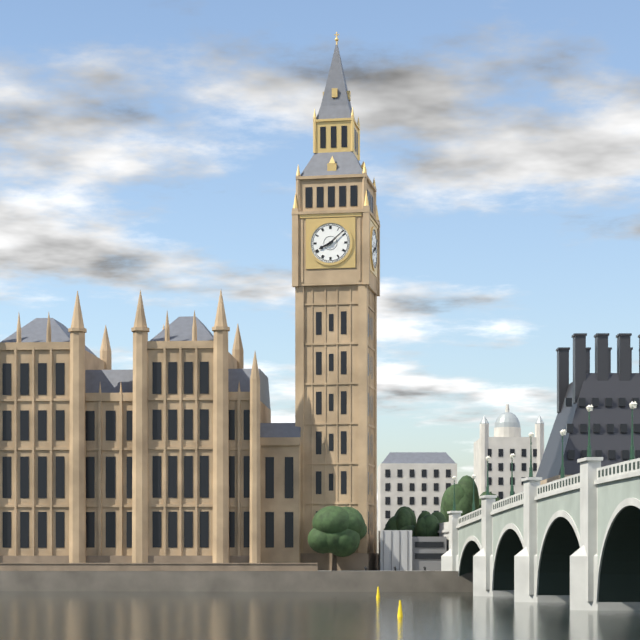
{"hour": 8, "minute": 8}
